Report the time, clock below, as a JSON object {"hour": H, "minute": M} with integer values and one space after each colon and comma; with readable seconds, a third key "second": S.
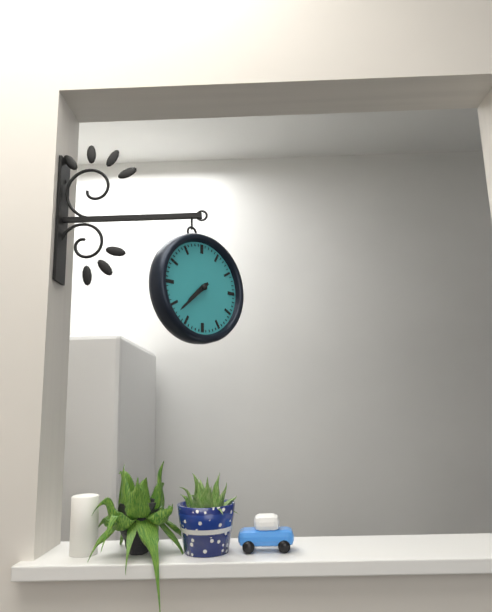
{"hour": 7, "minute": 38}
